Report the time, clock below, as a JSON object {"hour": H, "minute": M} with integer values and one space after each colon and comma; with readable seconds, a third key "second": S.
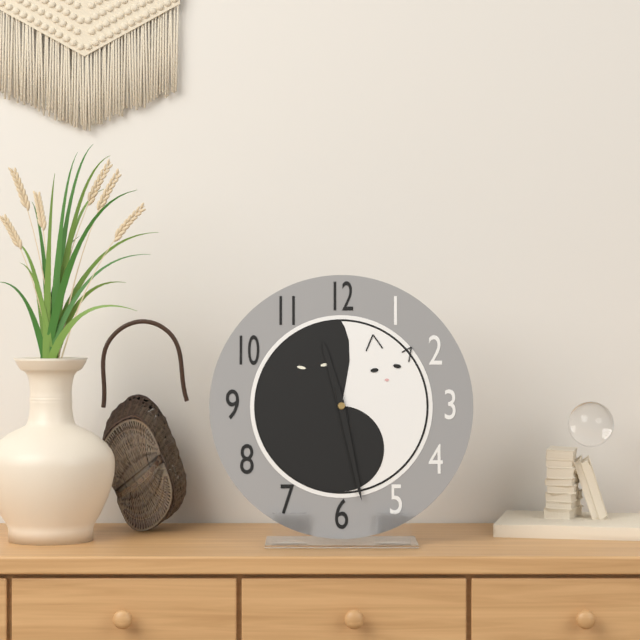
{"hour": 11, "minute": 28}
